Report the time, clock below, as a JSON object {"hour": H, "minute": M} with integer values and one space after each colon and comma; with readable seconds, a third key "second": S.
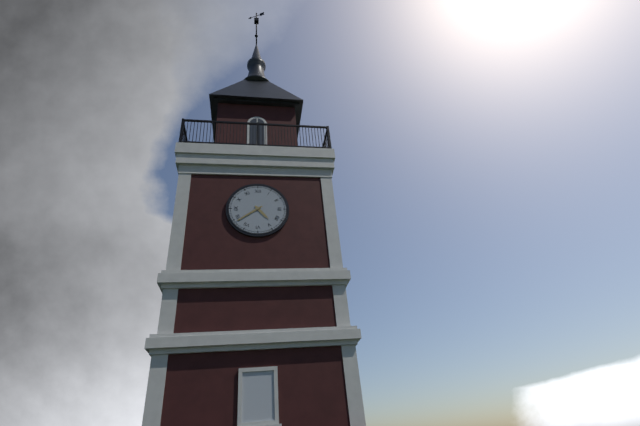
{"hour": 4, "minute": 39}
